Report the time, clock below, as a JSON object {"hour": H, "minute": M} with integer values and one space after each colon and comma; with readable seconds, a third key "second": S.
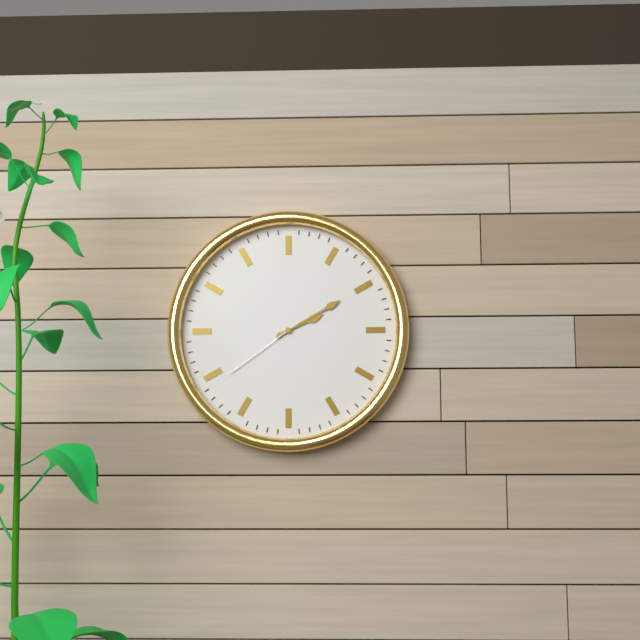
{"hour": 2, "minute": 10, "second": 39}
